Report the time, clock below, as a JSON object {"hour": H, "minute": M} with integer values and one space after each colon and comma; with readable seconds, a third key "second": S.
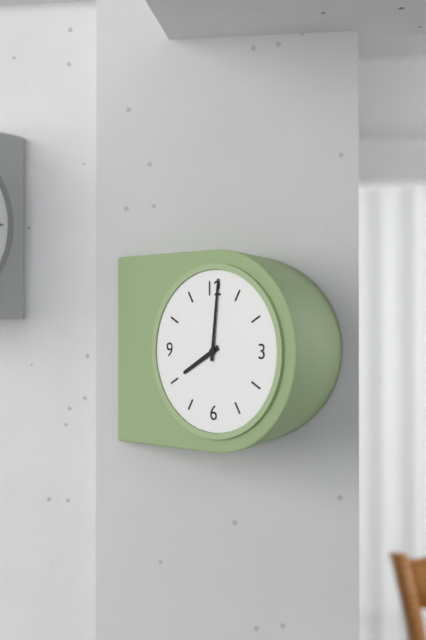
{"hour": 8, "minute": 1}
